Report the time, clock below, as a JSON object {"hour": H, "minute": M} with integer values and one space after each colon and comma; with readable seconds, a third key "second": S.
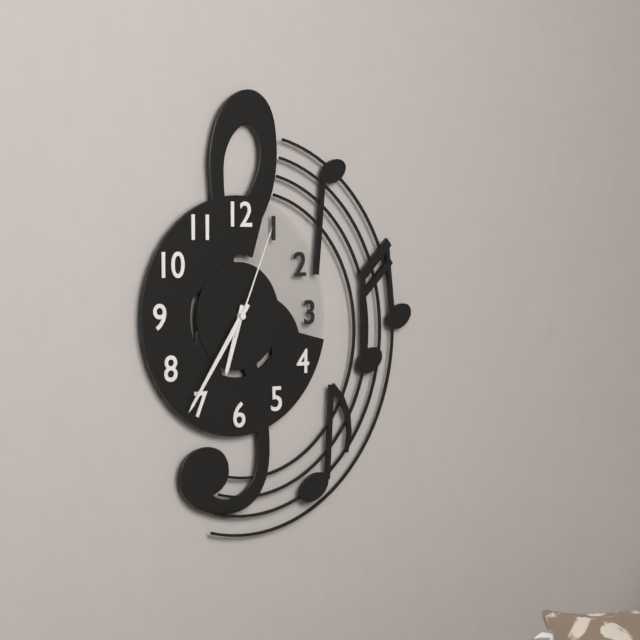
{"hour": 6, "minute": 36, "second": 4}
